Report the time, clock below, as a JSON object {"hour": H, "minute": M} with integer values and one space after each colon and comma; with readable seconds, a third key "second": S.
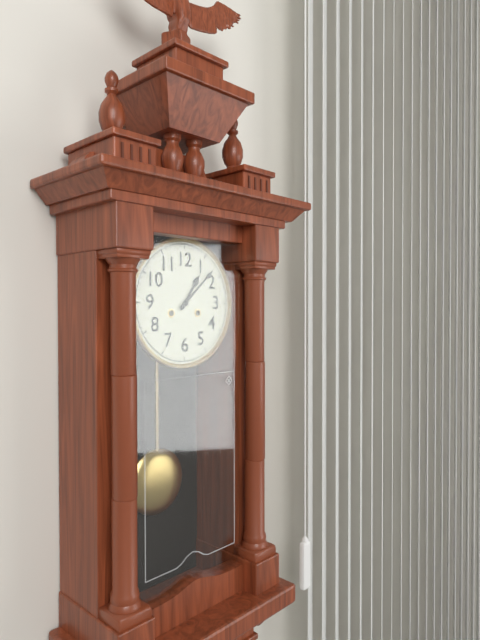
{"hour": 1, "minute": 8}
